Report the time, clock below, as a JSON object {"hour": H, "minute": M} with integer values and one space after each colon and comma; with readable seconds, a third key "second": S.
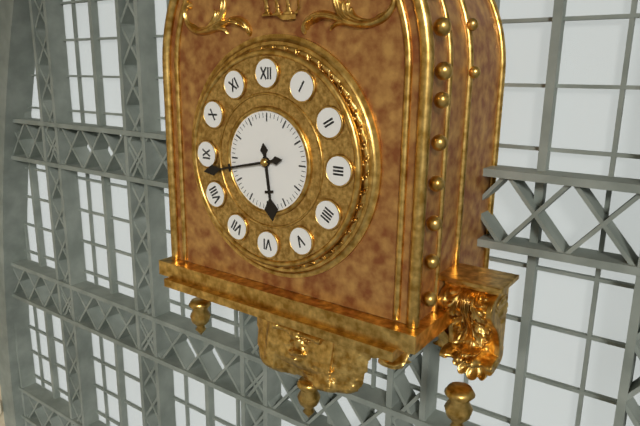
{"hour": 5, "minute": 43}
